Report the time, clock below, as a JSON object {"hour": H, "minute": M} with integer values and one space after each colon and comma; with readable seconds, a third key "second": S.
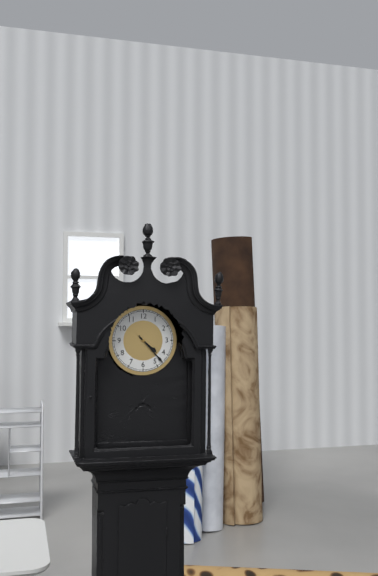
{"hour": 4, "minute": 23}
